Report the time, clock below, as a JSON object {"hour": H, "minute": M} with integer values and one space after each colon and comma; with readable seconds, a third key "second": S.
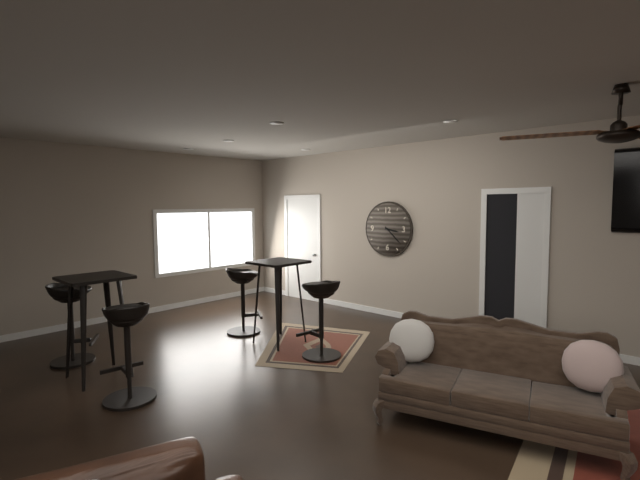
{"hour": 3, "minute": 22}
